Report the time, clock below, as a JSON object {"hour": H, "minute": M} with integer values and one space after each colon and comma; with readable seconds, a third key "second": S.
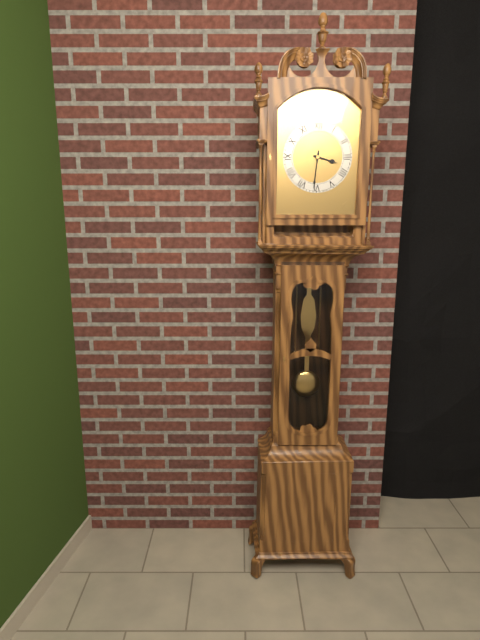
{"hour": 3, "minute": 31}
